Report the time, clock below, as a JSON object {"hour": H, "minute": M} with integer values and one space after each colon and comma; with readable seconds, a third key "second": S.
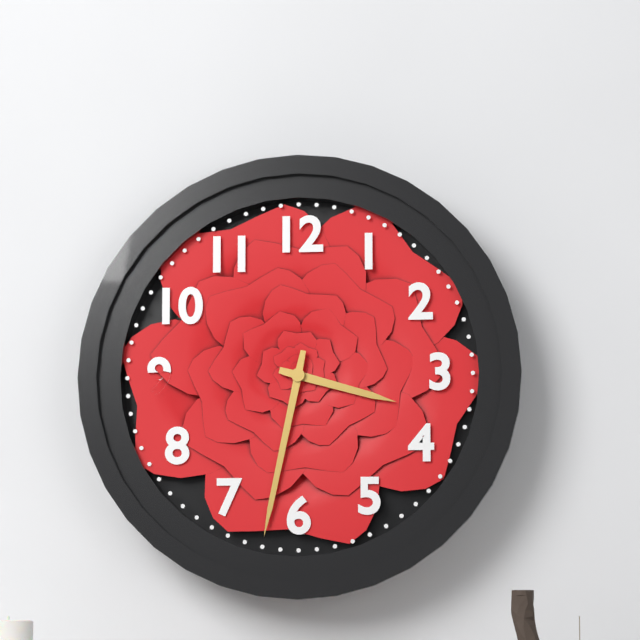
{"hour": 3, "minute": 32}
